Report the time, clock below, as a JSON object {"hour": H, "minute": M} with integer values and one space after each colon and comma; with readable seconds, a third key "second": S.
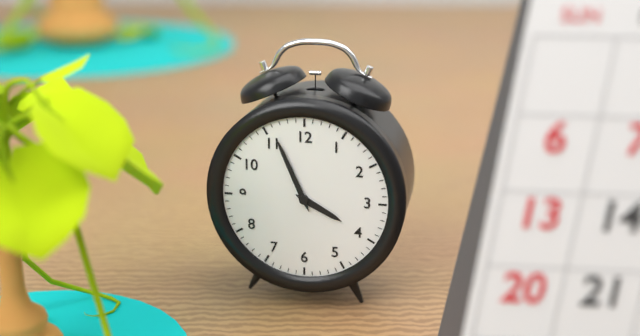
{"hour": 3, "minute": 56}
